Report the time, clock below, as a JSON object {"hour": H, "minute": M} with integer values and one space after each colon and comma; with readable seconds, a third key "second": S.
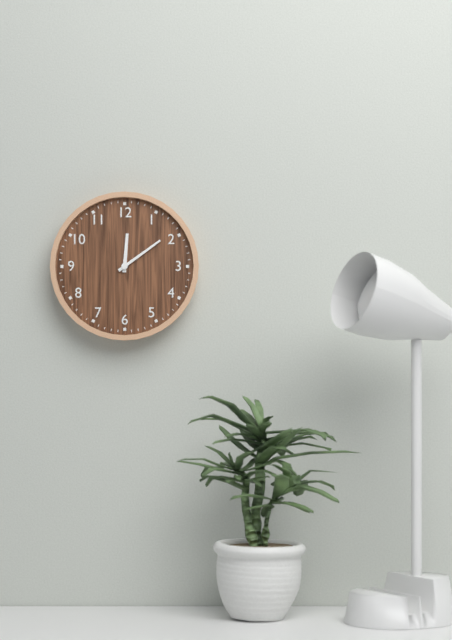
{"hour": 12, "minute": 9}
